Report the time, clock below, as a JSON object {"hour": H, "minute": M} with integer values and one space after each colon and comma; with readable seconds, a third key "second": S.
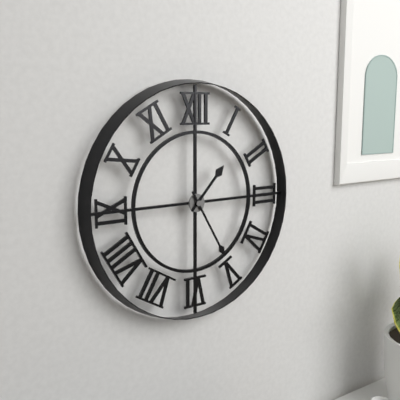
{"hour": 1, "minute": 25}
